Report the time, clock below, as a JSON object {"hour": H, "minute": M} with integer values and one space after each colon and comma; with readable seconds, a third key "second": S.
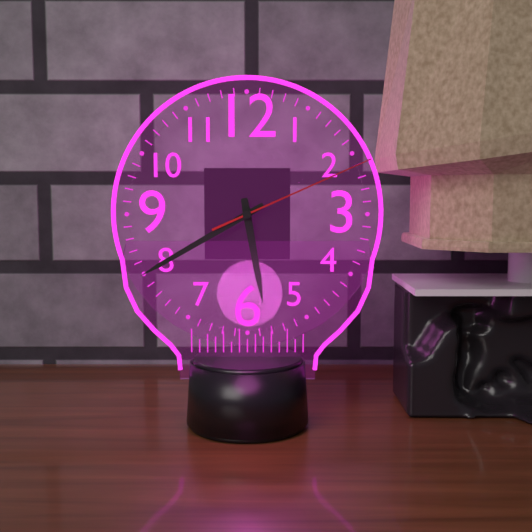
{"hour": 5, "minute": 40, "second": 11}
